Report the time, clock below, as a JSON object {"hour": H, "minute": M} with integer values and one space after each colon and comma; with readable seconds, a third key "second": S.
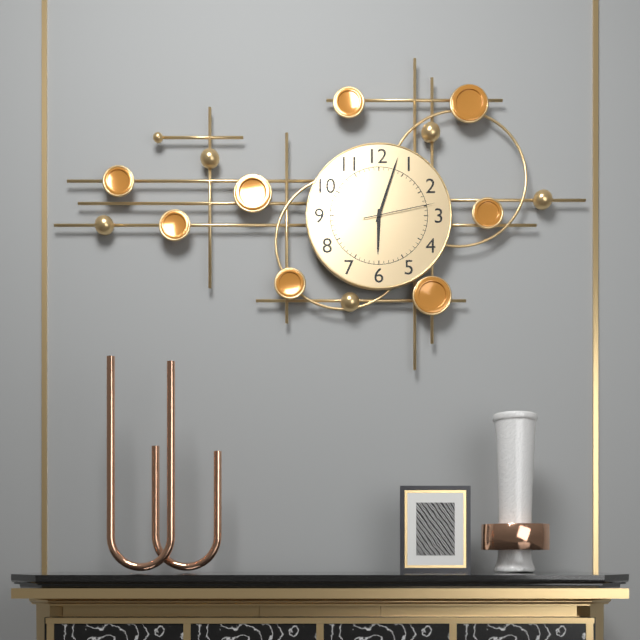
{"hour": 6, "minute": 3, "second": 13}
